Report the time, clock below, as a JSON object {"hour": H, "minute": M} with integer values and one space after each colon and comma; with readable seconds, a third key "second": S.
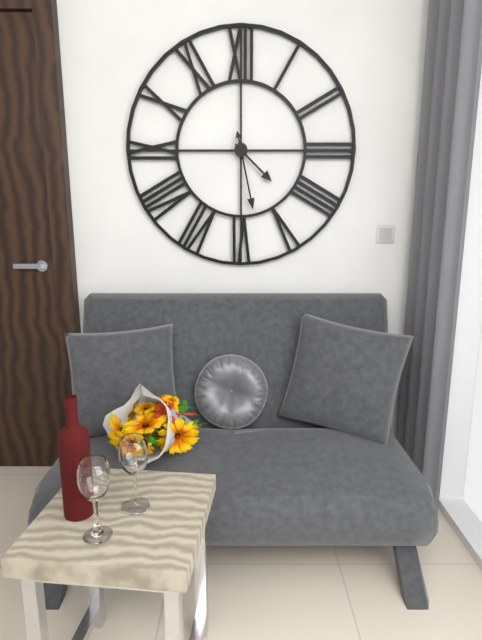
{"hour": 4, "minute": 28}
